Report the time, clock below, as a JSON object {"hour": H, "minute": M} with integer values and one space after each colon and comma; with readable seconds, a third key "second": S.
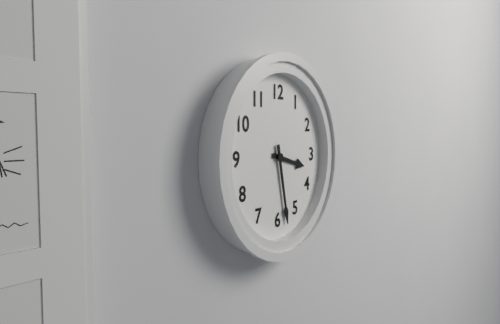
{"hour": 3, "minute": 28}
